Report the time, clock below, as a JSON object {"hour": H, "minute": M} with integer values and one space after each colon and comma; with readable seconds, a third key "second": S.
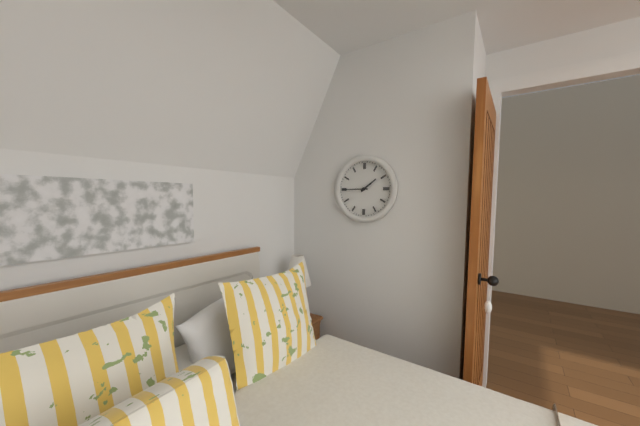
{"hour": 1, "minute": 45}
